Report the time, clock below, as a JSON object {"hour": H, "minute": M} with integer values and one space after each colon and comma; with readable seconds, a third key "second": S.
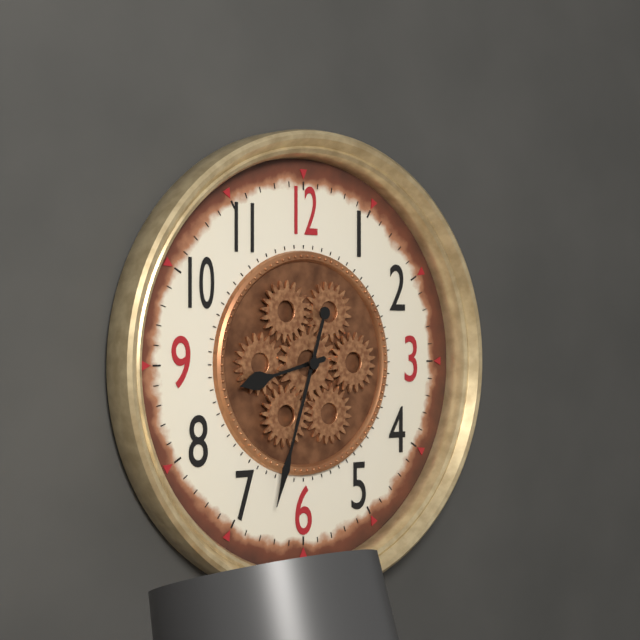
{"hour": 8, "minute": 33}
